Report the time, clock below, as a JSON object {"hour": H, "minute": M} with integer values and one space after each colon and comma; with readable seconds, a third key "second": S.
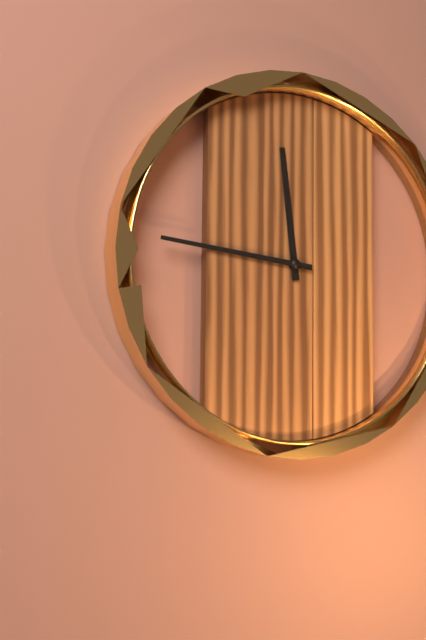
{"hour": 11, "minute": 46}
